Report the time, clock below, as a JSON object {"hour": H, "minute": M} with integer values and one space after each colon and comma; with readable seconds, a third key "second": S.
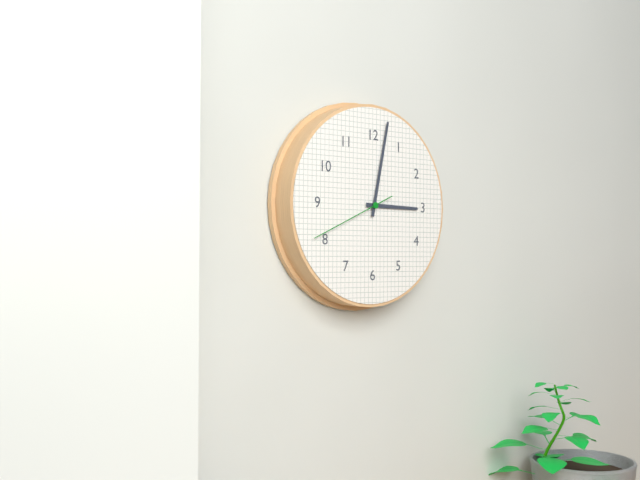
{"hour": 3, "minute": 2, "second": 41}
